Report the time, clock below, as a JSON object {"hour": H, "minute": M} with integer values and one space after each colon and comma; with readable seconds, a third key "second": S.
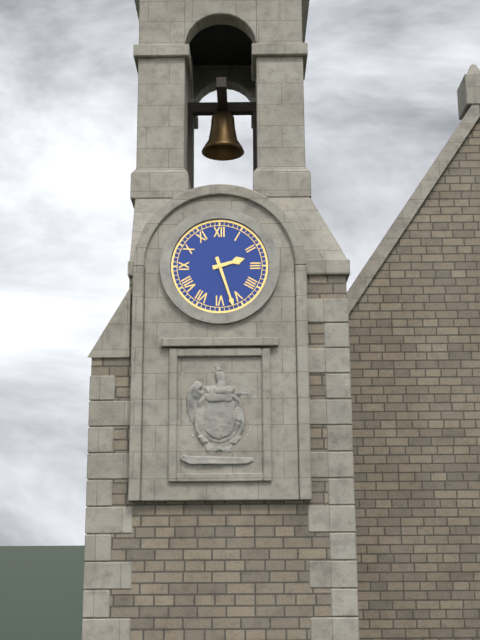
{"hour": 2, "minute": 27}
